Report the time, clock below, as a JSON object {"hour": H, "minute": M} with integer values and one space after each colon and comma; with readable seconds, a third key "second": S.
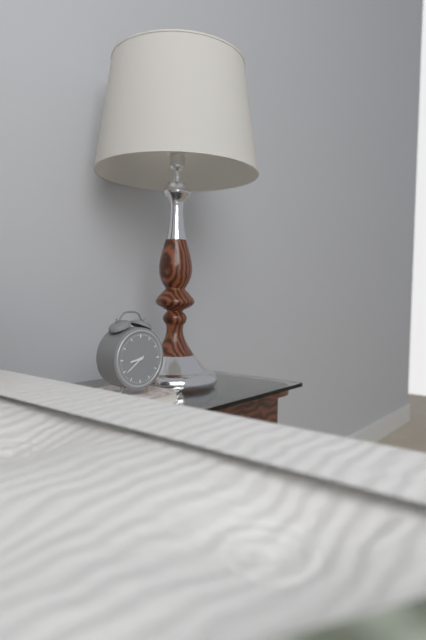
{"hour": 8, "minute": 39}
